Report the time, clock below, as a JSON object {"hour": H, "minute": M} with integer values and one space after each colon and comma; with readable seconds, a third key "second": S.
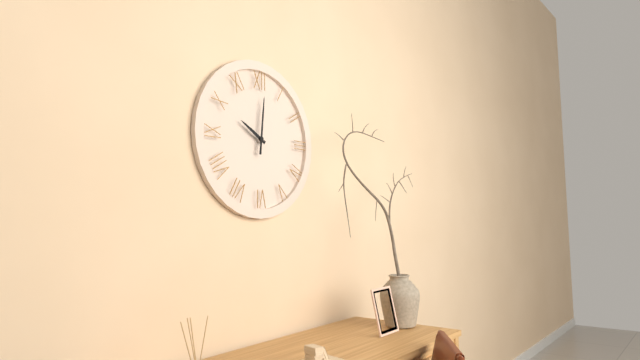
{"hour": 10, "minute": 1}
